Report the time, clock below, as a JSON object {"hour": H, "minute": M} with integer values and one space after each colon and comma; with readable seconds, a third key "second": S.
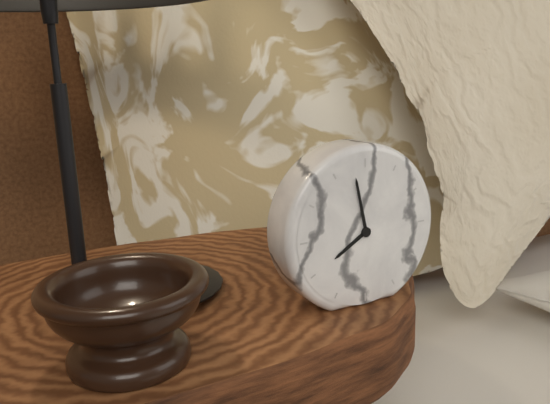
{"hour": 7, "minute": 58}
